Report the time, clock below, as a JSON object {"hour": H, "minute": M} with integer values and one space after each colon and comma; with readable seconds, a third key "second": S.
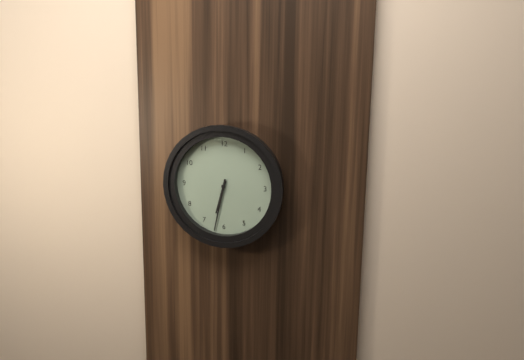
{"hour": 6, "minute": 32}
